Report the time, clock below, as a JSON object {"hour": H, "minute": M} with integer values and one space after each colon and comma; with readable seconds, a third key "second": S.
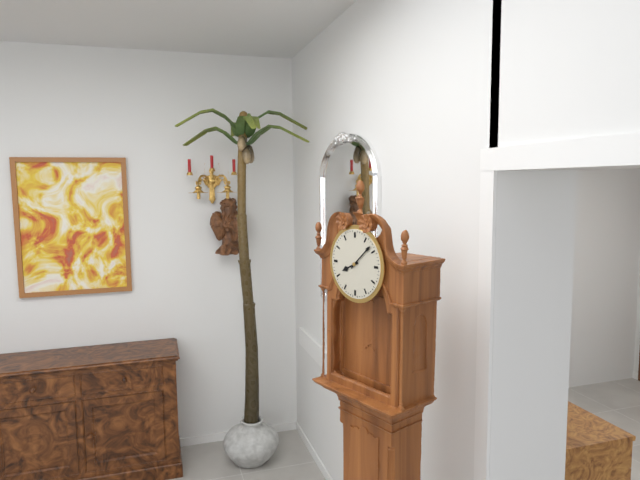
{"hour": 8, "minute": 8}
